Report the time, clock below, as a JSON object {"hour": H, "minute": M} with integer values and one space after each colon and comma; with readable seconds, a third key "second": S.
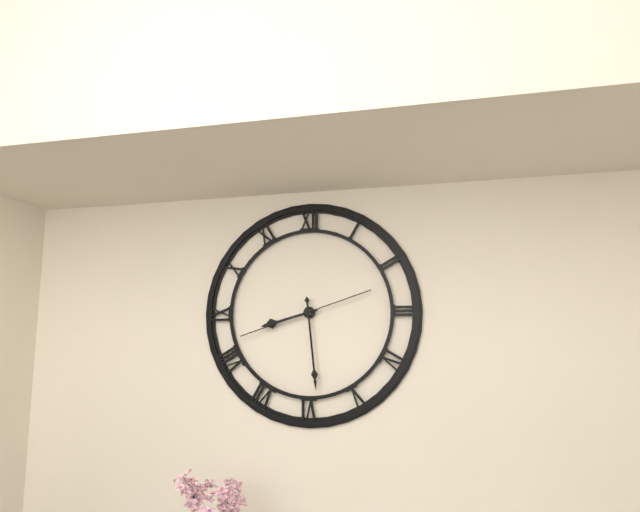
{"hour": 8, "minute": 29, "second": 42}
